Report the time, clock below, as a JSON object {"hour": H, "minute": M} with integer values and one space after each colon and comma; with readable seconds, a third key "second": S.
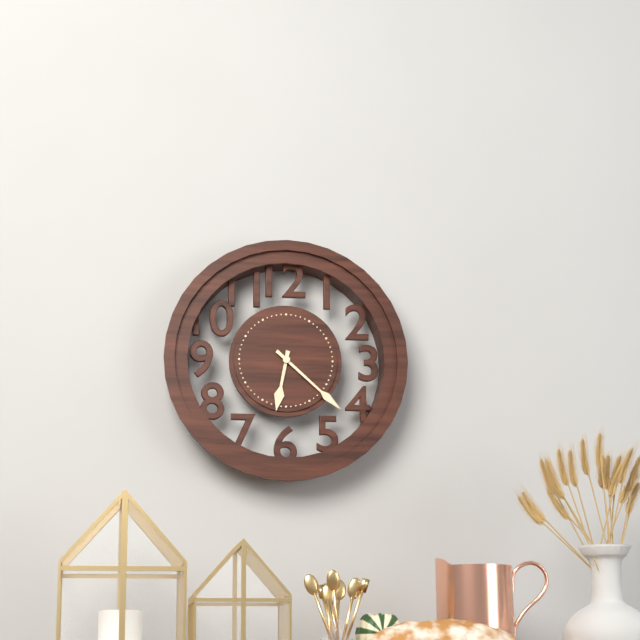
{"hour": 6, "minute": 22}
